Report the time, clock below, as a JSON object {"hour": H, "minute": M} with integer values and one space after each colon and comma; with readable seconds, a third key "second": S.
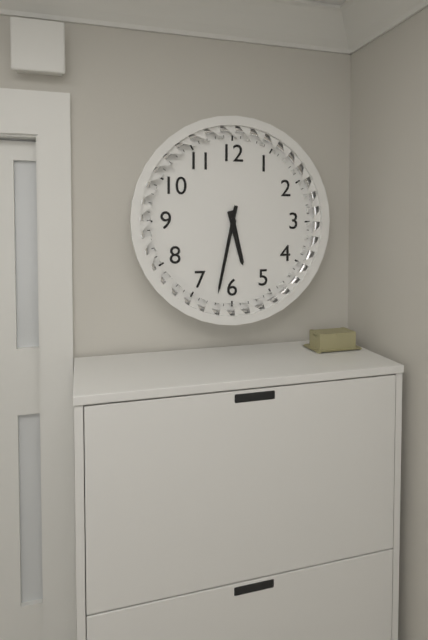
{"hour": 5, "minute": 32}
